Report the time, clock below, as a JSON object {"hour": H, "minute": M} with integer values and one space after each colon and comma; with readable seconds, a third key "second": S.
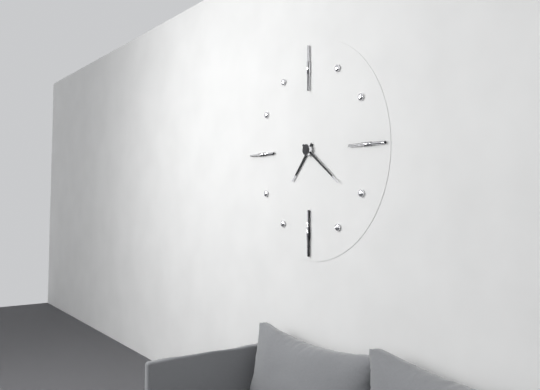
{"hour": 7, "minute": 21}
